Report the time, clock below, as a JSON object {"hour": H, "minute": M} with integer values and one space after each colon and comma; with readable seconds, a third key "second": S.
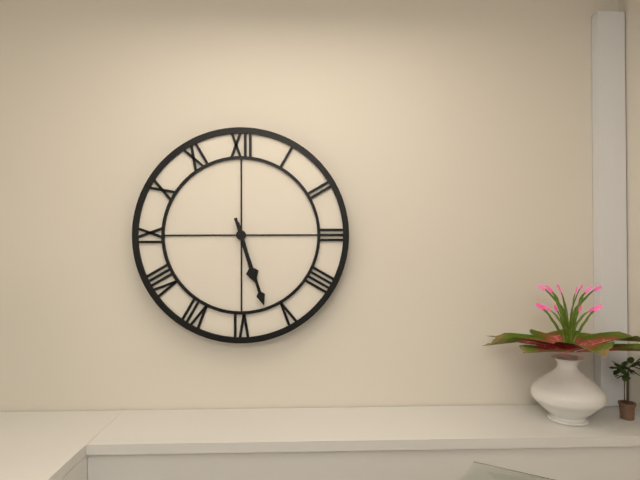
{"hour": 5, "minute": 27}
